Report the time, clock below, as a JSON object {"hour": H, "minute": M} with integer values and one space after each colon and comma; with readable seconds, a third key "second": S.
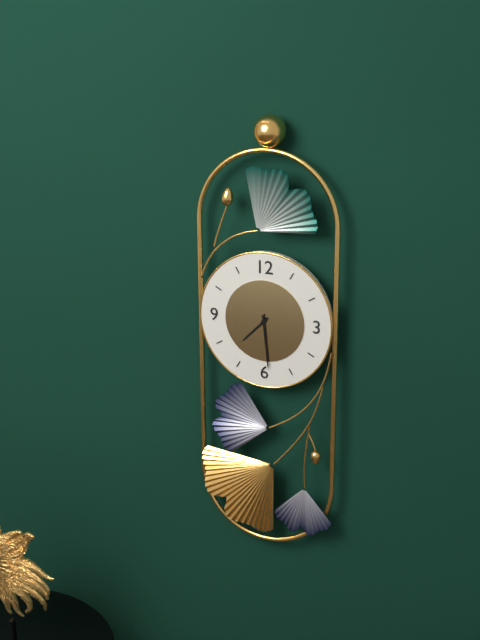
{"hour": 7, "minute": 29}
